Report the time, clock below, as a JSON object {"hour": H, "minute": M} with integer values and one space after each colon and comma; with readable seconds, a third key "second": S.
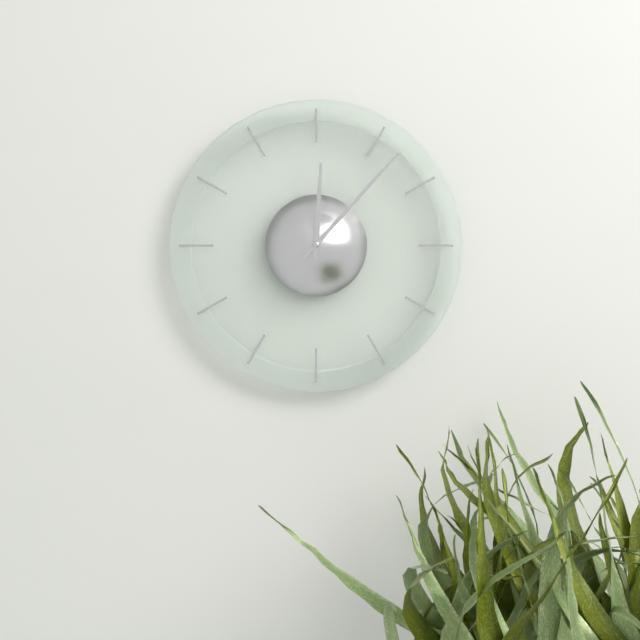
{"hour": 12, "minute": 7}
